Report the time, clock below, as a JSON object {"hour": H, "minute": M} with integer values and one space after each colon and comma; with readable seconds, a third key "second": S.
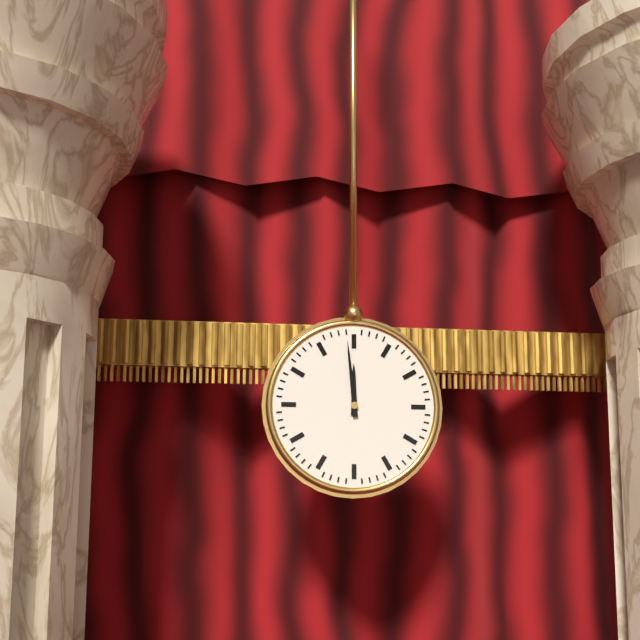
{"hour": 11, "minute": 59}
